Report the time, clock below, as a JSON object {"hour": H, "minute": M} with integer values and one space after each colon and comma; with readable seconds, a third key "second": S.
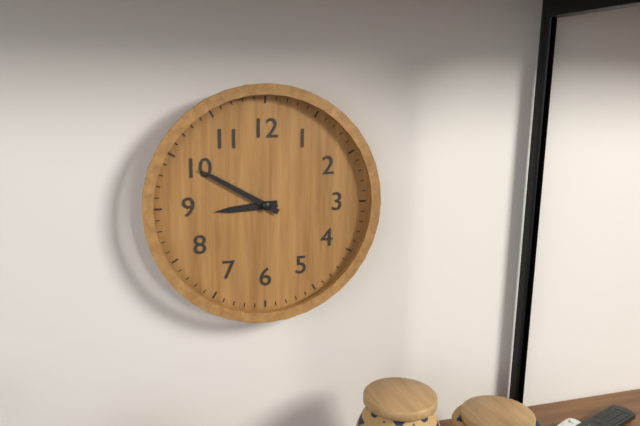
{"hour": 8, "minute": 50}
